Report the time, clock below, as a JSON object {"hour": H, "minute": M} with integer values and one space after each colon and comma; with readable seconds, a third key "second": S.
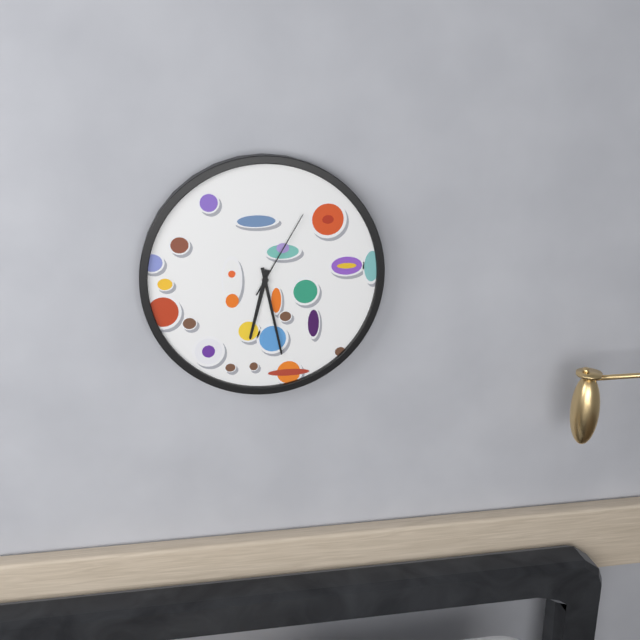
{"hour": 6, "minute": 28, "second": 5}
